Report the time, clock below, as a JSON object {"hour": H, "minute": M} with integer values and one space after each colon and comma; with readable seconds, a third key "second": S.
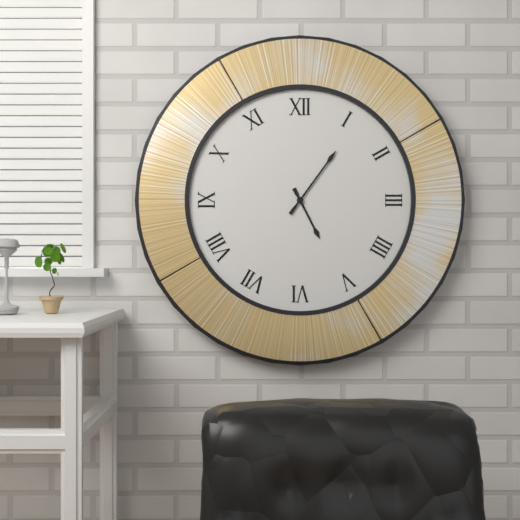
{"hour": 5, "minute": 6}
